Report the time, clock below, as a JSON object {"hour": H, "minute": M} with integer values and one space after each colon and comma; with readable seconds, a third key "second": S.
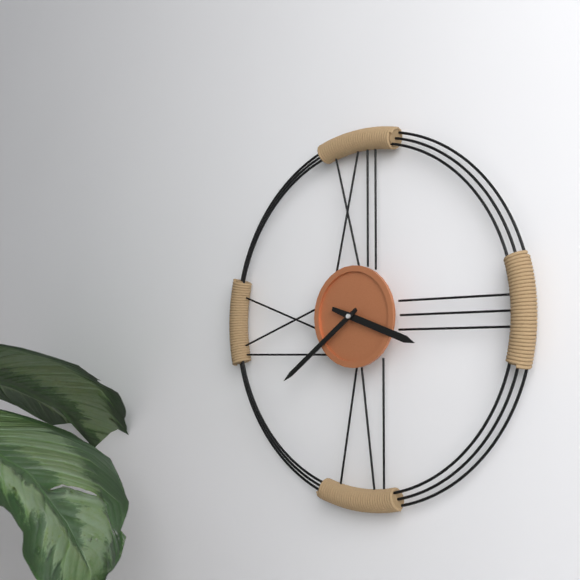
{"hour": 3, "minute": 39}
